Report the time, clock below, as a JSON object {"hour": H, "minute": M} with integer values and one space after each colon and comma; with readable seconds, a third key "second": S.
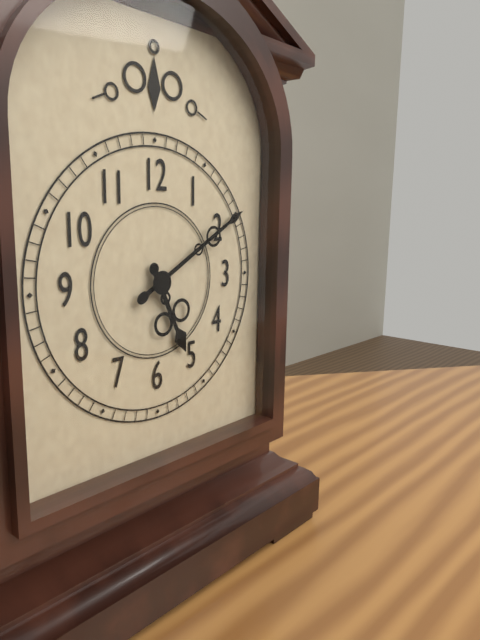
{"hour": 5, "minute": 10}
